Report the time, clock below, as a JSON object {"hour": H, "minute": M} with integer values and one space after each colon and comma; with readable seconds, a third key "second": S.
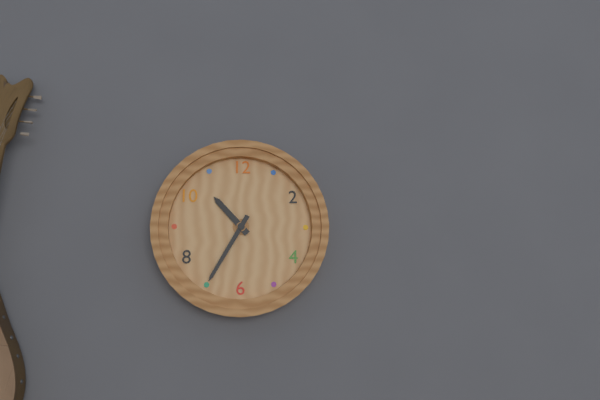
{"hour": 10, "minute": 35}
